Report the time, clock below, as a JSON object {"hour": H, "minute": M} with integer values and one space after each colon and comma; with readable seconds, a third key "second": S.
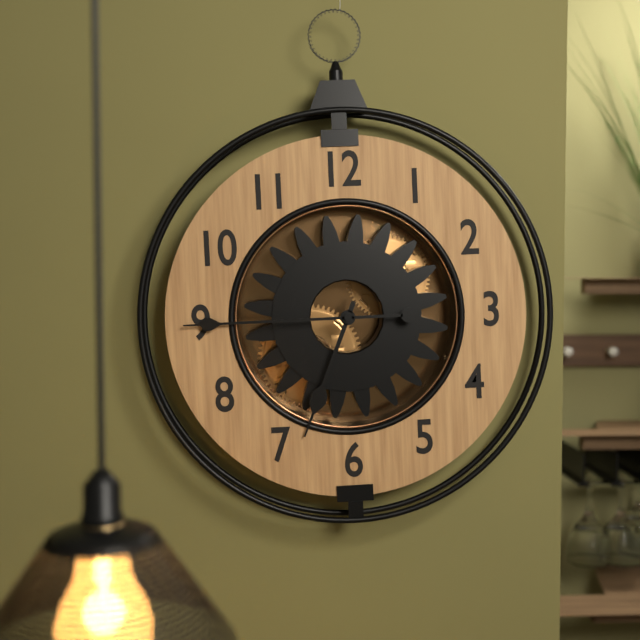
{"hour": 6, "minute": 45}
